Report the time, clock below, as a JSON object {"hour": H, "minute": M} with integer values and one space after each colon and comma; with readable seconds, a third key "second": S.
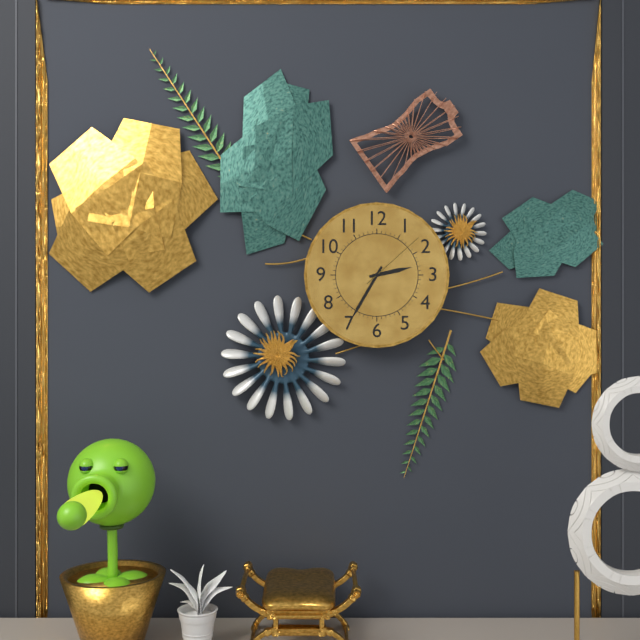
{"hour": 2, "minute": 35, "second": 8}
